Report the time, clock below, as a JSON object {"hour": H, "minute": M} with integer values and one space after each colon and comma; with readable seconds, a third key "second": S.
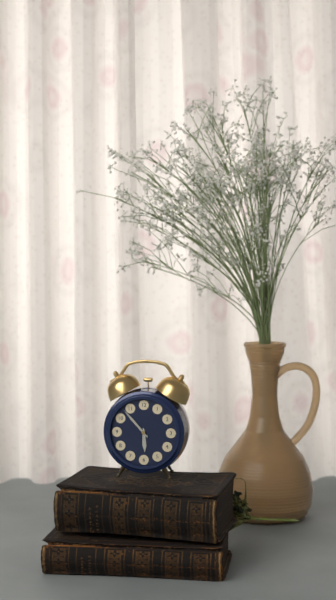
{"hour": 5, "minute": 53}
